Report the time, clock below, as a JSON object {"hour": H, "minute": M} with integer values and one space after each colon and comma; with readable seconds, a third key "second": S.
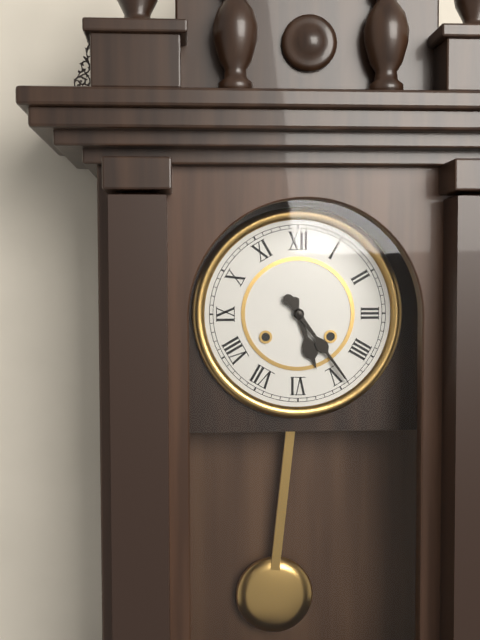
{"hour": 5, "minute": 24}
